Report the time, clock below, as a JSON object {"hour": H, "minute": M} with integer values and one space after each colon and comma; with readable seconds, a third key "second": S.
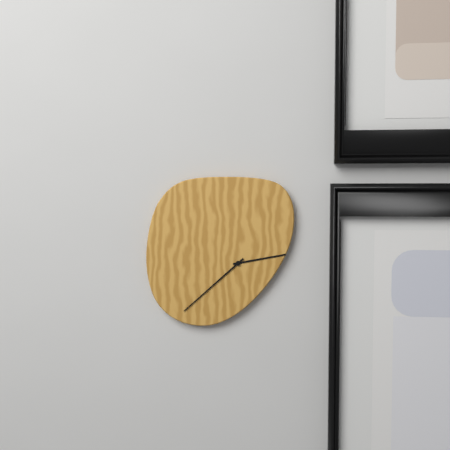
{"hour": 2, "minute": 38}
